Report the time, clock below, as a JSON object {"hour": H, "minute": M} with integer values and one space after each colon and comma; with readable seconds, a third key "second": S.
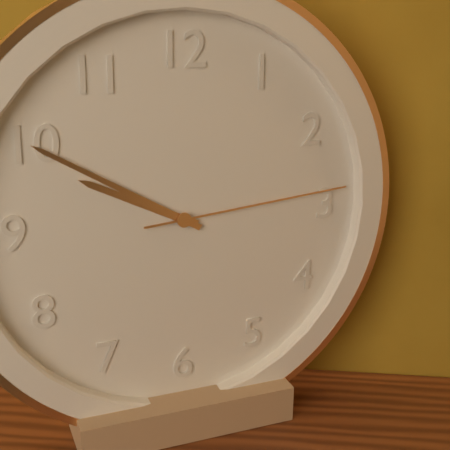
{"hour": 9, "minute": 50, "second": 14}
